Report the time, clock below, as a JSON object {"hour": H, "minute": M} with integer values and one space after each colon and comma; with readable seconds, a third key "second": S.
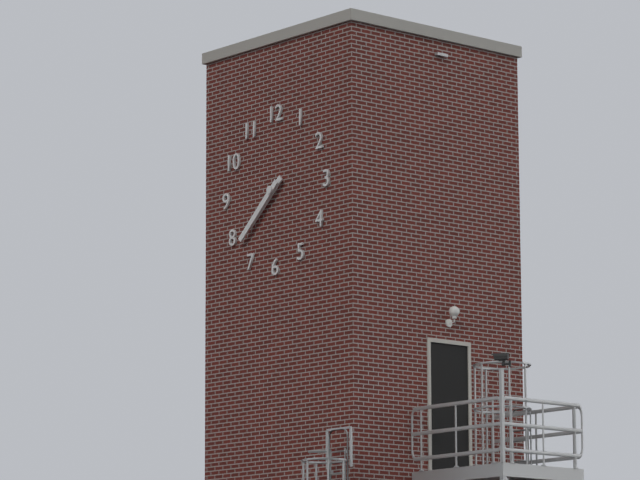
{"hour": 7, "minute": 38}
